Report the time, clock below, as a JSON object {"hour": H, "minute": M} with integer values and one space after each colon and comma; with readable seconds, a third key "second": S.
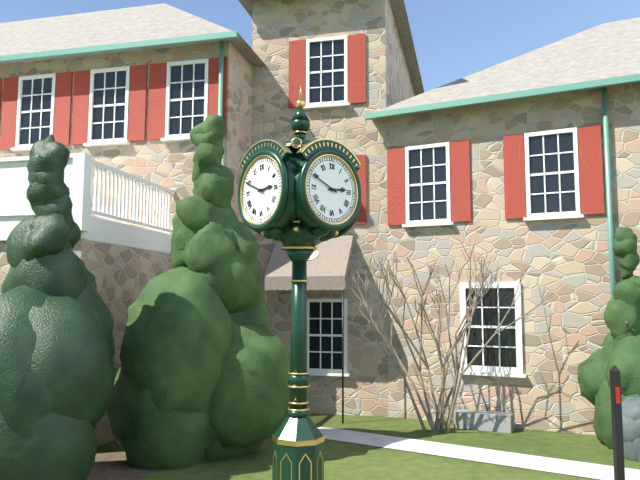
{"hour": 2, "minute": 49}
